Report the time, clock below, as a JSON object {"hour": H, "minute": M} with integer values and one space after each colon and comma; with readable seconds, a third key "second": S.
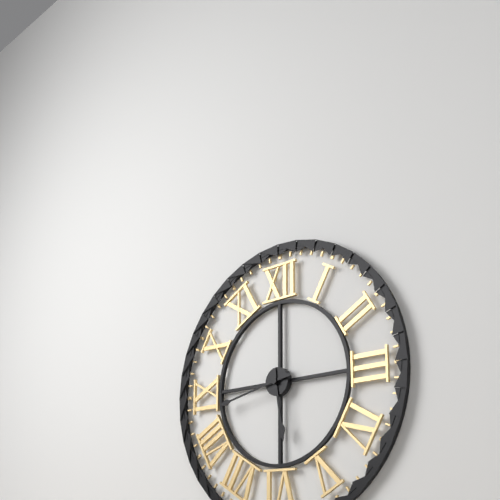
{"hour": 5, "minute": 43}
